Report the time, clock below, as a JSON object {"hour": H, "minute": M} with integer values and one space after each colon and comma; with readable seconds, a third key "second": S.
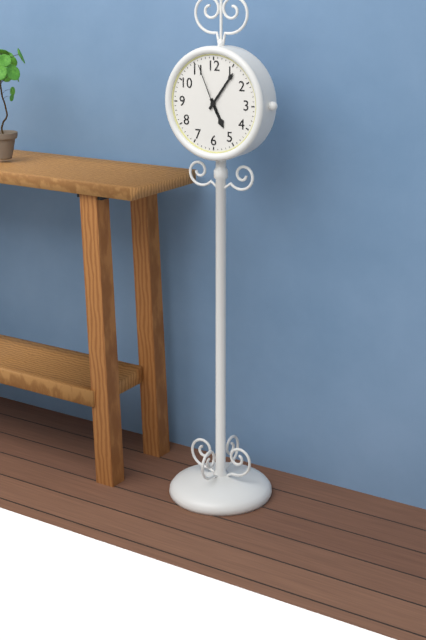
{"hour": 5, "minute": 6, "second": 56}
